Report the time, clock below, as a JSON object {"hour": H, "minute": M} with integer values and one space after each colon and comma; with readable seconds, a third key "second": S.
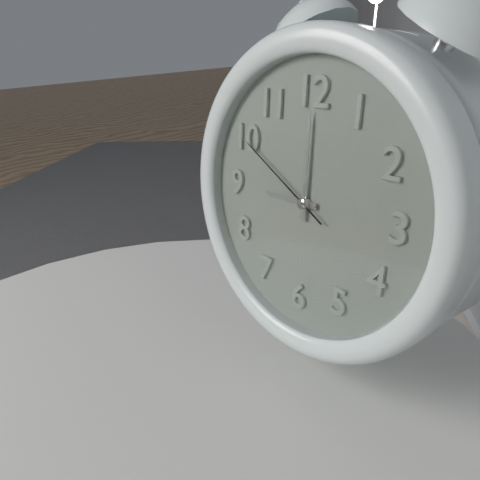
{"hour": 9, "minute": 0, "second": 50}
